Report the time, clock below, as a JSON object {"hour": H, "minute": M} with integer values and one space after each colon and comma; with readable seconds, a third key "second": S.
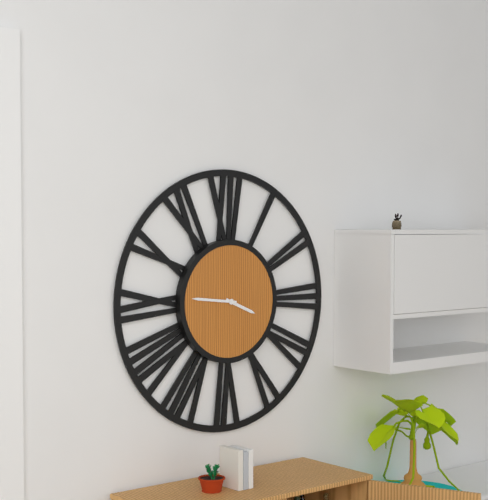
{"hour": 3, "minute": 46}
